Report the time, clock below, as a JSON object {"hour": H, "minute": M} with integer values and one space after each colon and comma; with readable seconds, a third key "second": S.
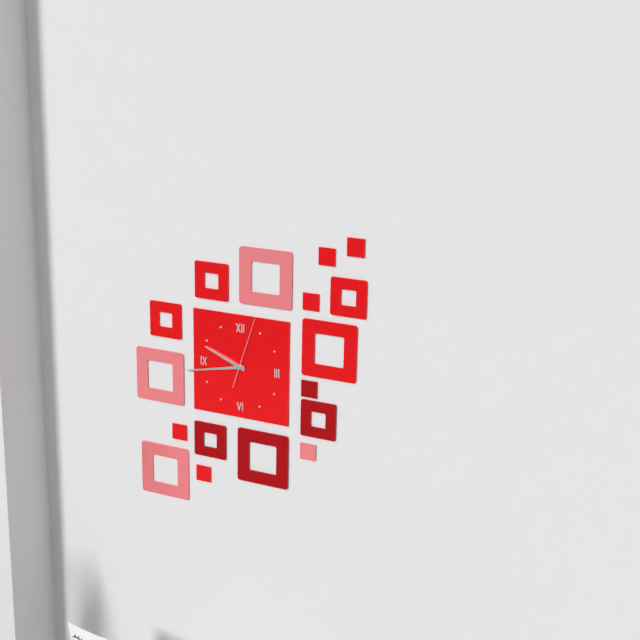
{"hour": 9, "minute": 43, "second": 3}
